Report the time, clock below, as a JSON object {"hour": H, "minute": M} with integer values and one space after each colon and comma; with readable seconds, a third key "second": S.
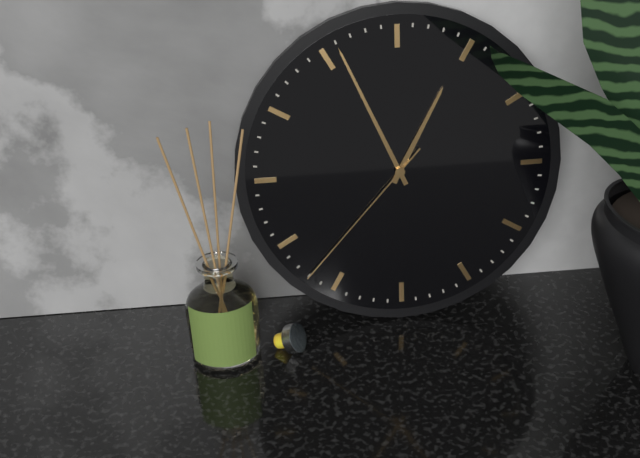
{"hour": 12, "minute": 56, "second": 37}
